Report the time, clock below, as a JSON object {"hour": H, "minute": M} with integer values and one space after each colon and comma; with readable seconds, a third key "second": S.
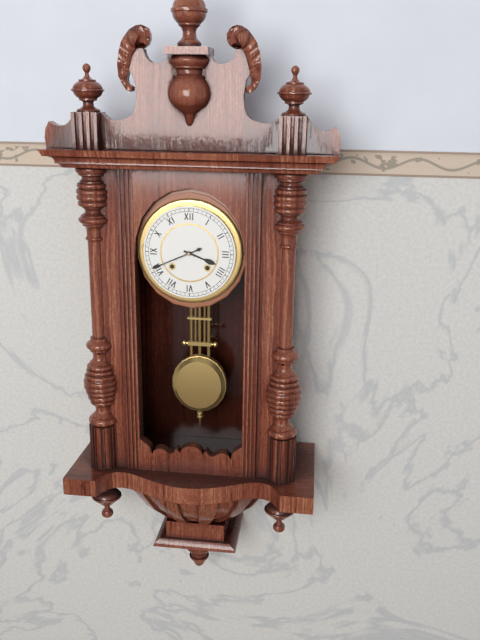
{"hour": 3, "minute": 41}
